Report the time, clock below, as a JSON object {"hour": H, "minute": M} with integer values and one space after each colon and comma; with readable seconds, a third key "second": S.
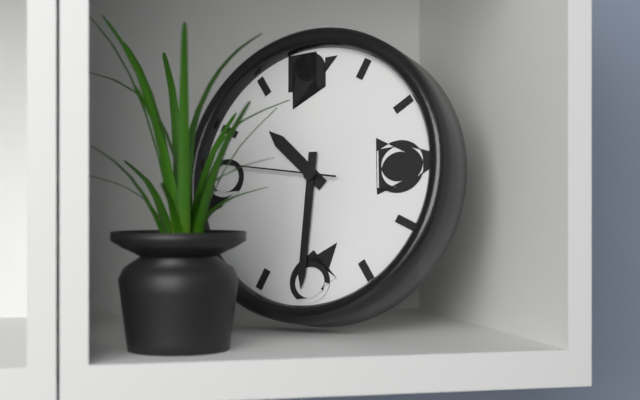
{"hour": 10, "minute": 31, "second": 47}
